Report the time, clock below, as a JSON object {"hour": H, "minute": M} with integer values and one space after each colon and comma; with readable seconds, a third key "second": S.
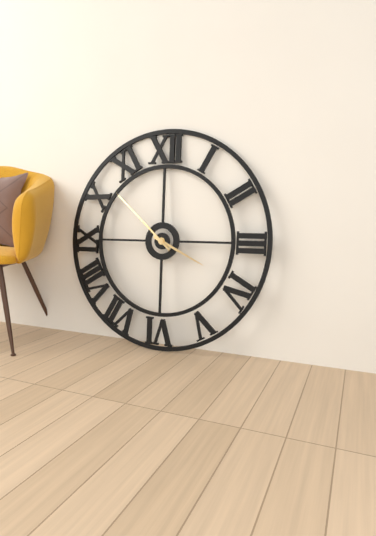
{"hour": 3, "minute": 52}
